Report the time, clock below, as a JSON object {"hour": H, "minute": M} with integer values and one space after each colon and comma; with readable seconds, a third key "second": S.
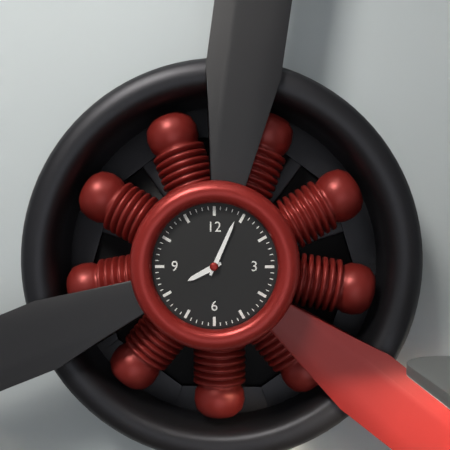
{"hour": 8, "minute": 4}
